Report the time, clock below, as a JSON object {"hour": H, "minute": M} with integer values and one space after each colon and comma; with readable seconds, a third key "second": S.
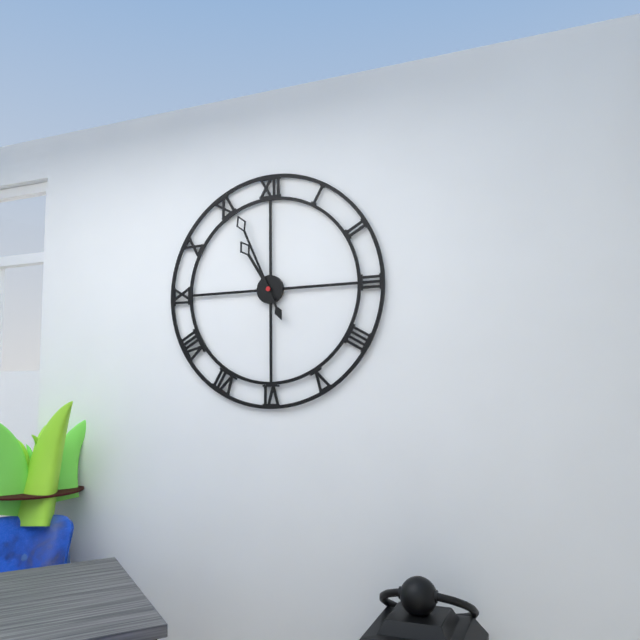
{"hour": 10, "minute": 56}
